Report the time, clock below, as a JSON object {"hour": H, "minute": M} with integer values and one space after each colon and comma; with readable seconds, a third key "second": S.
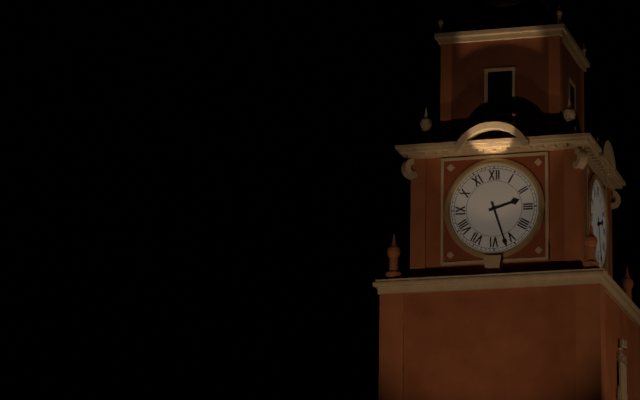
{"hour": 2, "minute": 27}
